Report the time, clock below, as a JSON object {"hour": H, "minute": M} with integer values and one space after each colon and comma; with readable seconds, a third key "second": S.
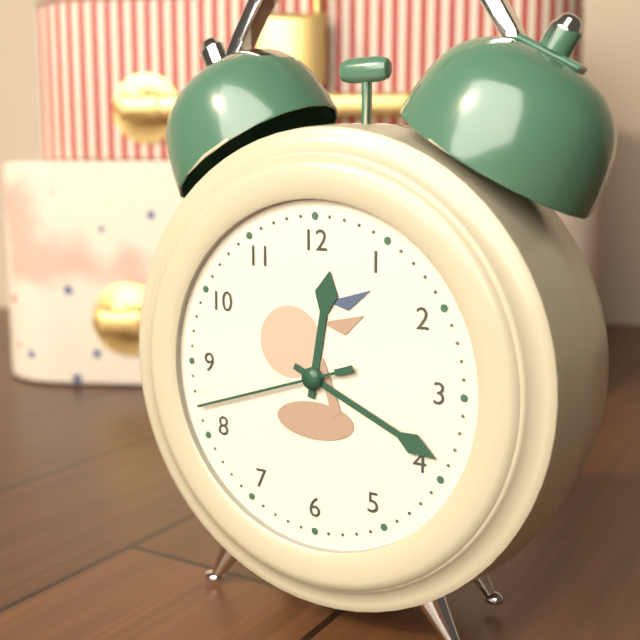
{"hour": 12, "minute": 19, "second": 42}
